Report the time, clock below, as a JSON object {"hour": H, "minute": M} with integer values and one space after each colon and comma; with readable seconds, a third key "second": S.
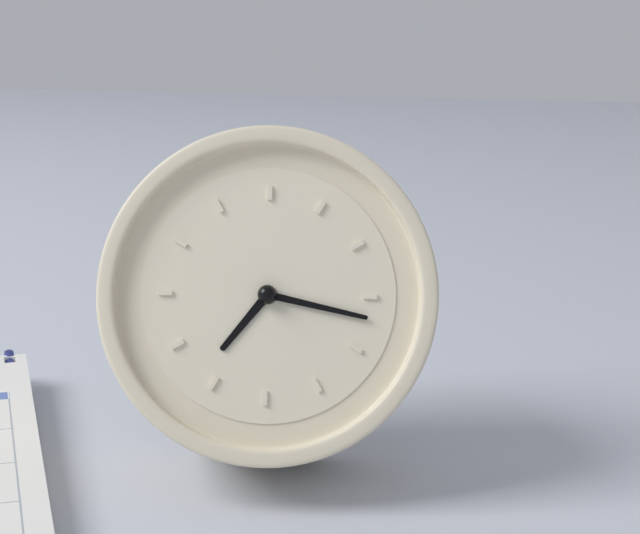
{"hour": 7, "minute": 17}
